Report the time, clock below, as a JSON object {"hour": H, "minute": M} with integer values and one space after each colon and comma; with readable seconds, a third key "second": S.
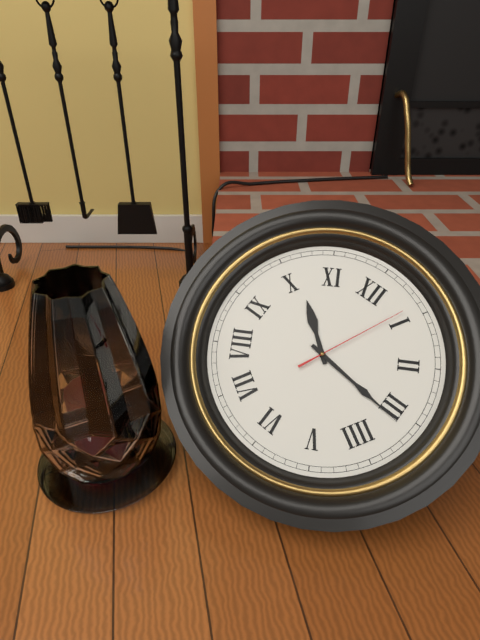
{"hour": 10, "minute": 16, "second": 4}
